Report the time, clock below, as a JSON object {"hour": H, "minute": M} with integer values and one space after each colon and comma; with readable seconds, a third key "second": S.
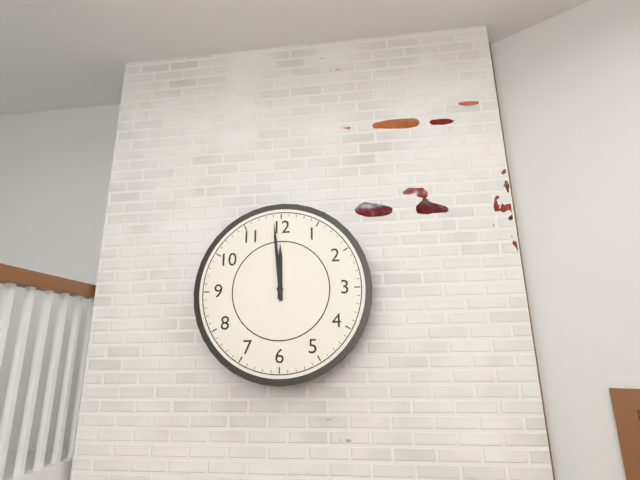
{"hour": 11, "minute": 59}
